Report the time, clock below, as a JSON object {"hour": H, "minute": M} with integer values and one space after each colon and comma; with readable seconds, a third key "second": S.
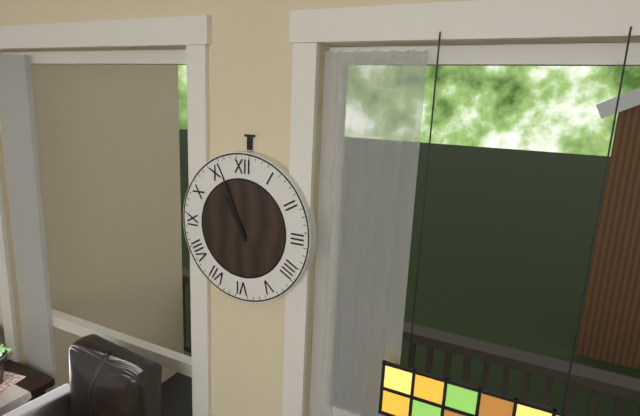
{"hour": 10, "minute": 56}
